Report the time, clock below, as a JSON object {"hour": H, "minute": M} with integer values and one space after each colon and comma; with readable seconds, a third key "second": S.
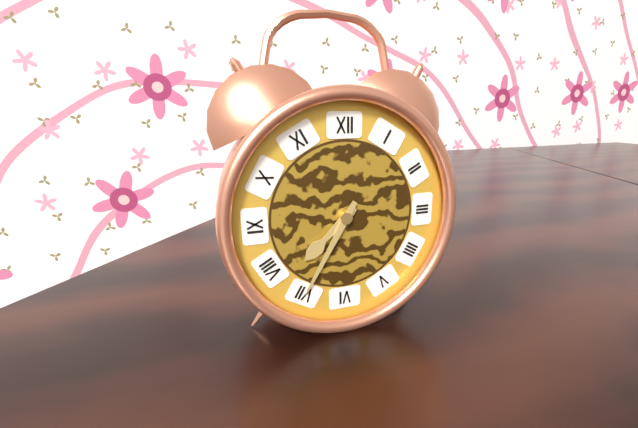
{"hour": 7, "minute": 35}
